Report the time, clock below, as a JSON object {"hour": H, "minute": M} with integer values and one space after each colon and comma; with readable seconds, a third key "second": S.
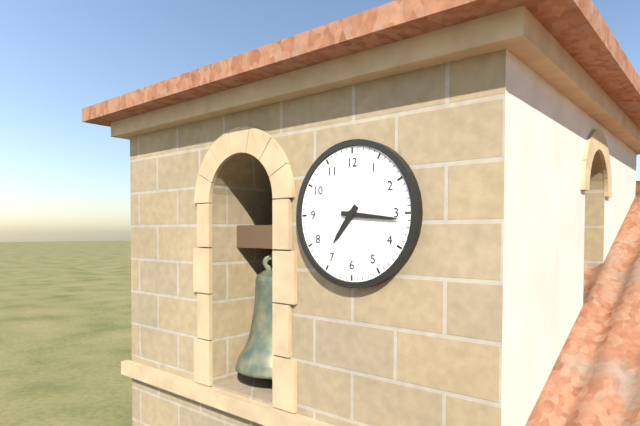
{"hour": 7, "minute": 16}
